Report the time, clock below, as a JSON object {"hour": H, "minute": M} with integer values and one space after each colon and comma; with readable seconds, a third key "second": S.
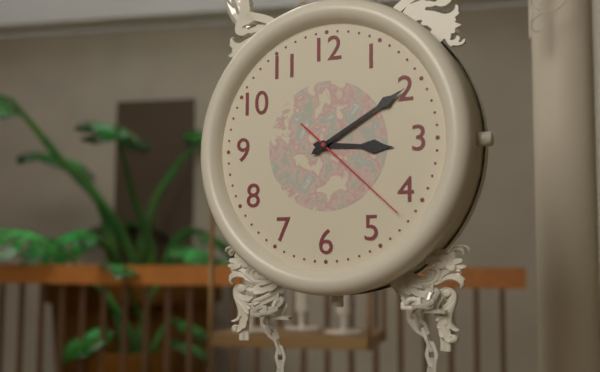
{"hour": 3, "minute": 10, "second": 22}
